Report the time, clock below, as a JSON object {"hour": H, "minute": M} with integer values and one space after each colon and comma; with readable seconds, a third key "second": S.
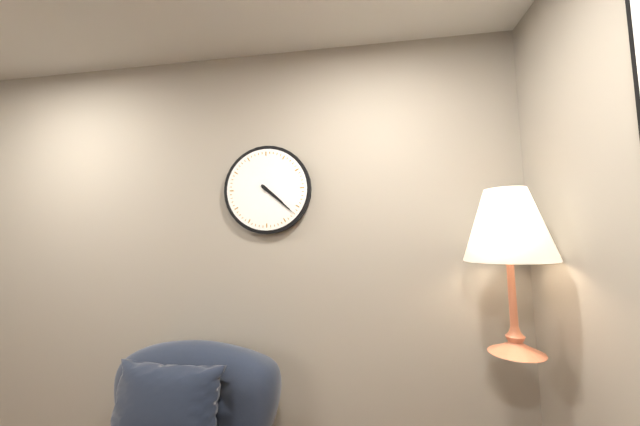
{"hour": 4, "minute": 22}
